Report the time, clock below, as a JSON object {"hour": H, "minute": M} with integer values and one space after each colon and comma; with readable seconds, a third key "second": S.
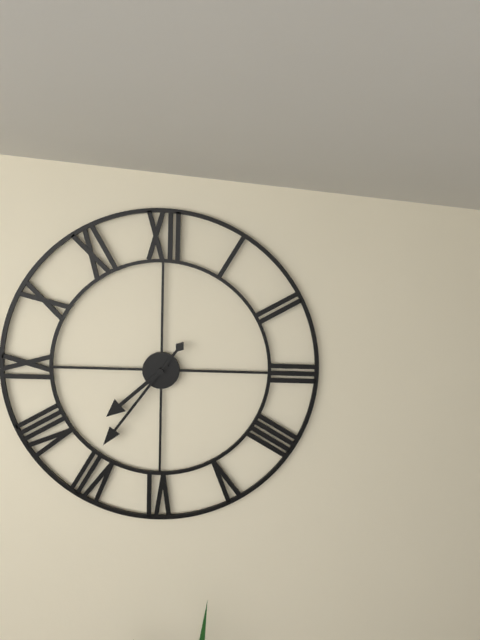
{"hour": 7, "minute": 36}
